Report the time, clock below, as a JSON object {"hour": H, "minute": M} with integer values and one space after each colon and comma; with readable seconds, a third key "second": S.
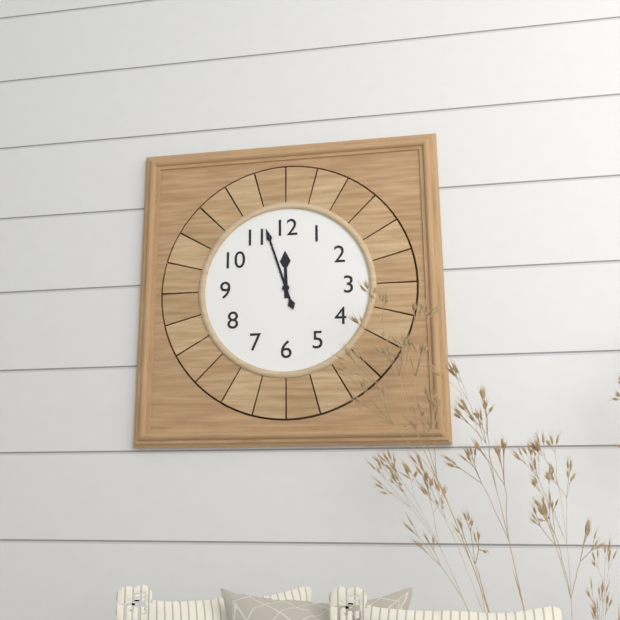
{"hour": 11, "minute": 57}
